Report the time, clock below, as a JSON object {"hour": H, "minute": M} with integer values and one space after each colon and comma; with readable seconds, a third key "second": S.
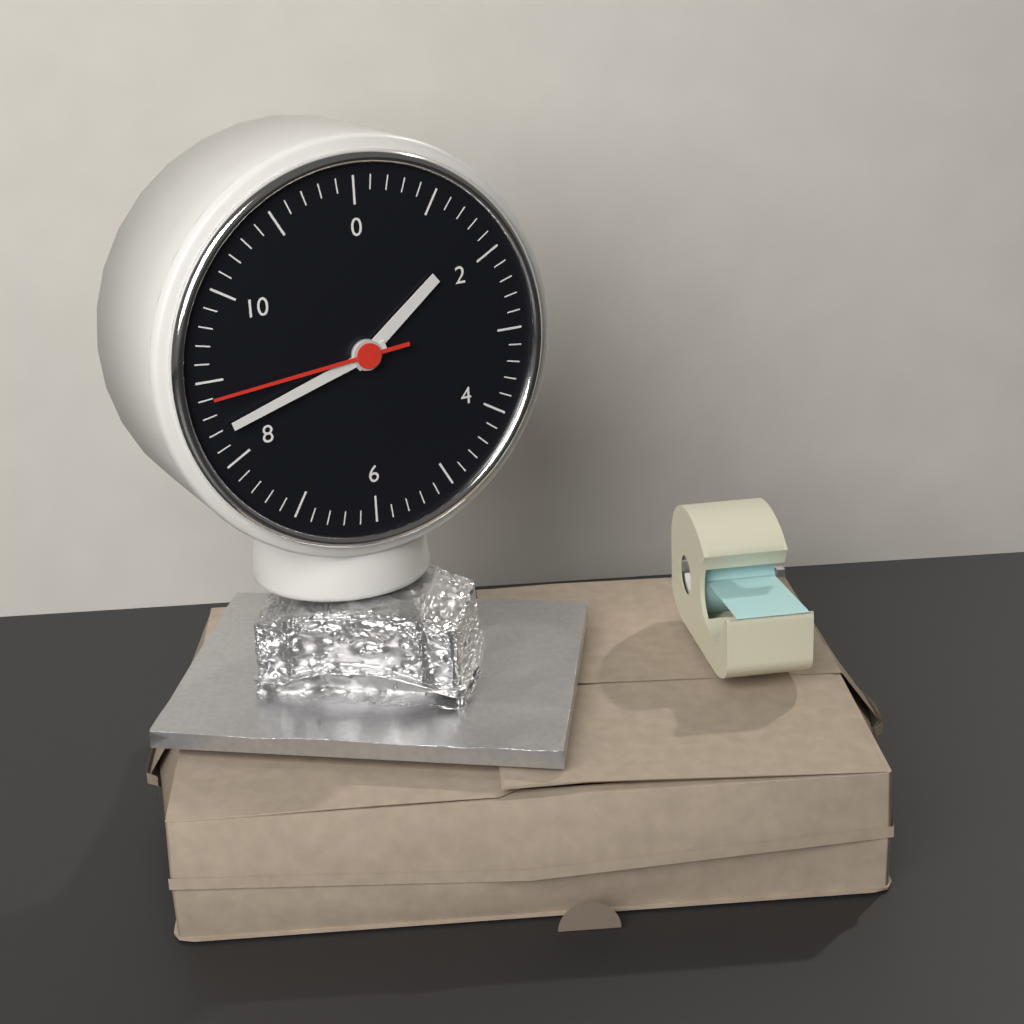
{"hour": 1, "minute": 42, "second": 44}
